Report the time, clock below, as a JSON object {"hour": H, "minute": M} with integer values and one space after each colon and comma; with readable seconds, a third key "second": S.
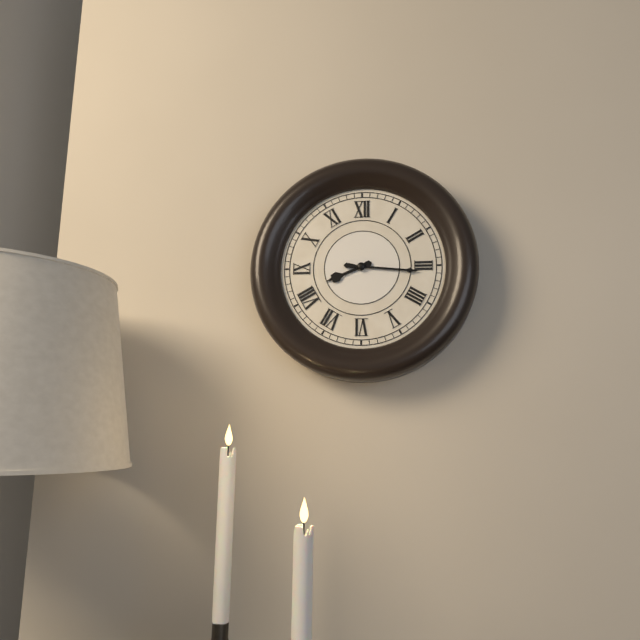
{"hour": 8, "minute": 16}
